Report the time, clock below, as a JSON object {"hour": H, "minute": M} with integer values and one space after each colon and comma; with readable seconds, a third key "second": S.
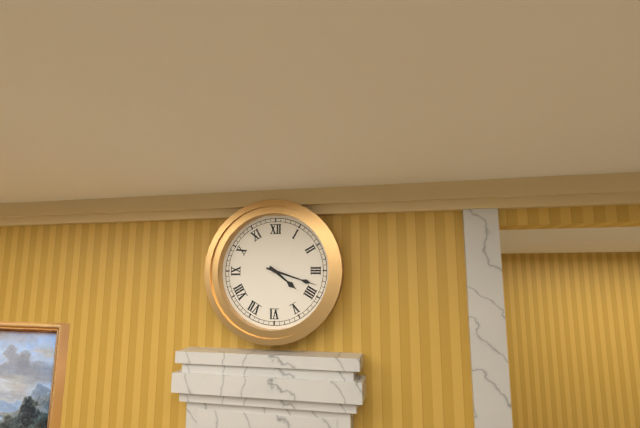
{"hour": 4, "minute": 18}
